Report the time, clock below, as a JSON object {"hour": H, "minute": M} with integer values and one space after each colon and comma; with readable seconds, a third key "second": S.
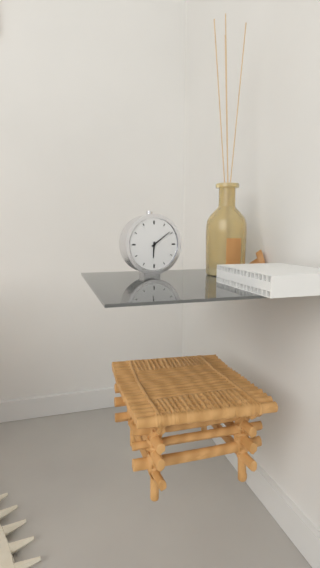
{"hour": 6, "minute": 9}
